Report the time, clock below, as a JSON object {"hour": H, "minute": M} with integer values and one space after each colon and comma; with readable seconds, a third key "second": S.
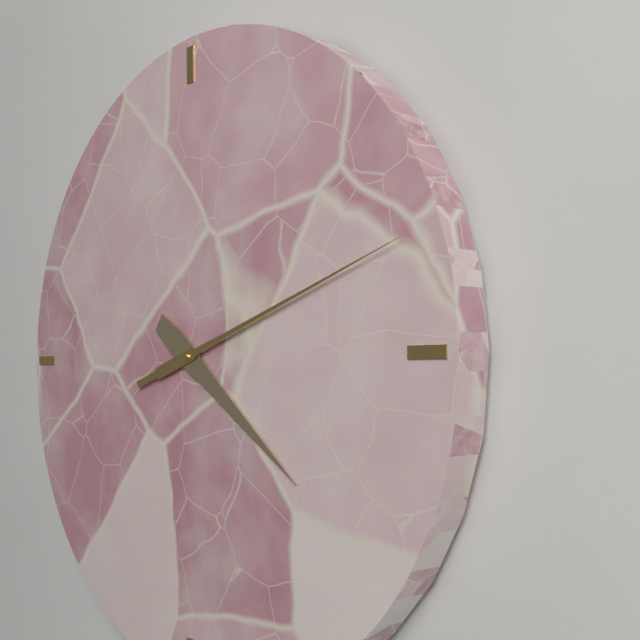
{"hour": 4, "minute": 12}
